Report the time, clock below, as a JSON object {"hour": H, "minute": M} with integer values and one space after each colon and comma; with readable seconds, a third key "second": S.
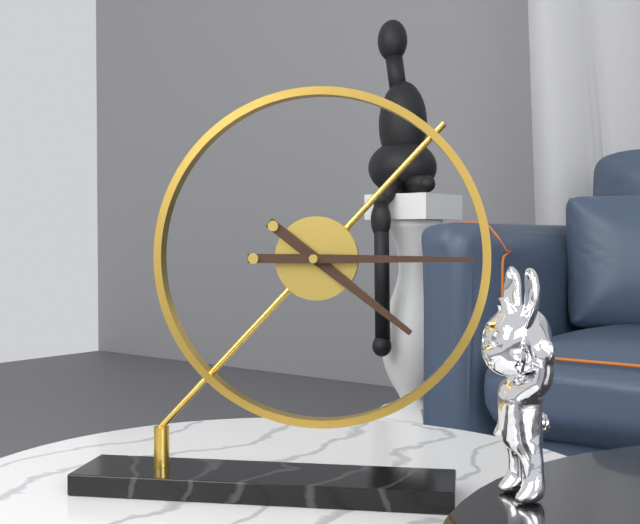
{"hour": 4, "minute": 15}
